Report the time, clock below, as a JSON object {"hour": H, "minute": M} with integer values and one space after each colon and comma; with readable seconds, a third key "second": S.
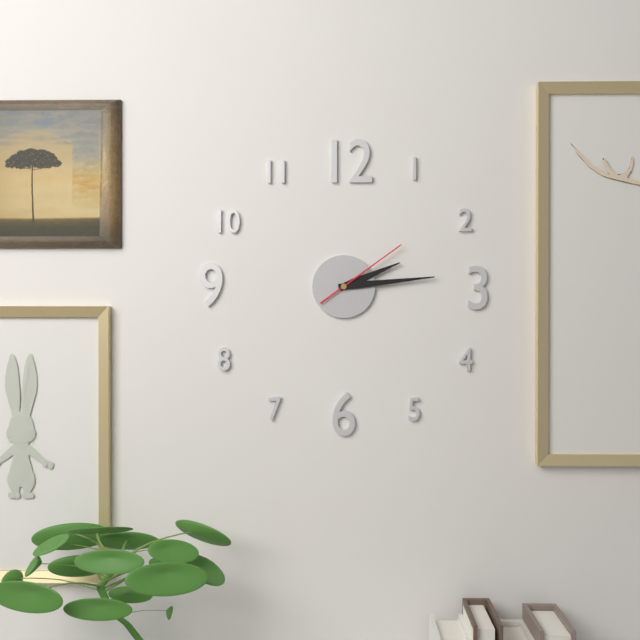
{"hour": 2, "minute": 14, "second": 9}
